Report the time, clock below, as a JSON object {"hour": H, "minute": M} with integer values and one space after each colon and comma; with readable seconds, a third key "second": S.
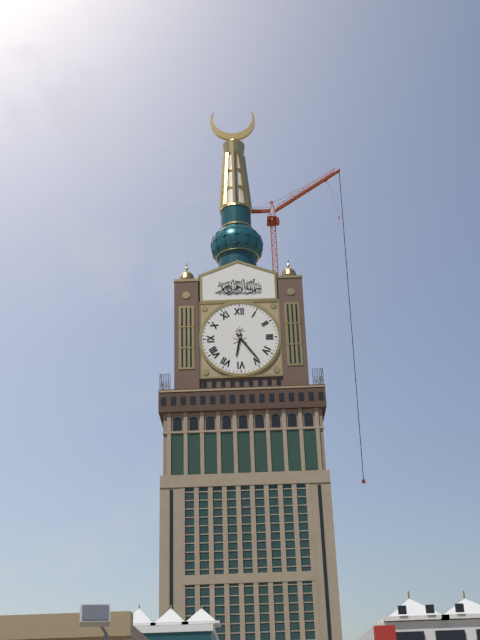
{"hour": 6, "minute": 24}
